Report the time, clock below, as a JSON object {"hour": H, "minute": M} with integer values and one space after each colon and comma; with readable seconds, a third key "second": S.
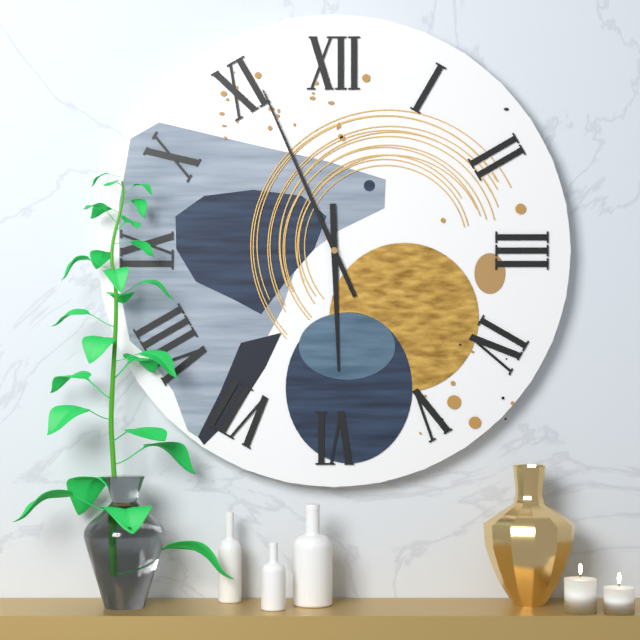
{"hour": 5, "minute": 56}
